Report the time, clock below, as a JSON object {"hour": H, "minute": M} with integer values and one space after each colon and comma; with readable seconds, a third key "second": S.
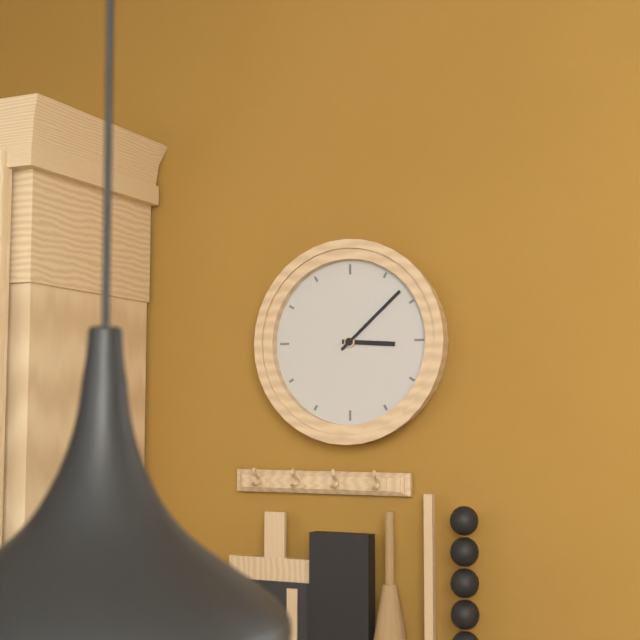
{"hour": 3, "minute": 8}
